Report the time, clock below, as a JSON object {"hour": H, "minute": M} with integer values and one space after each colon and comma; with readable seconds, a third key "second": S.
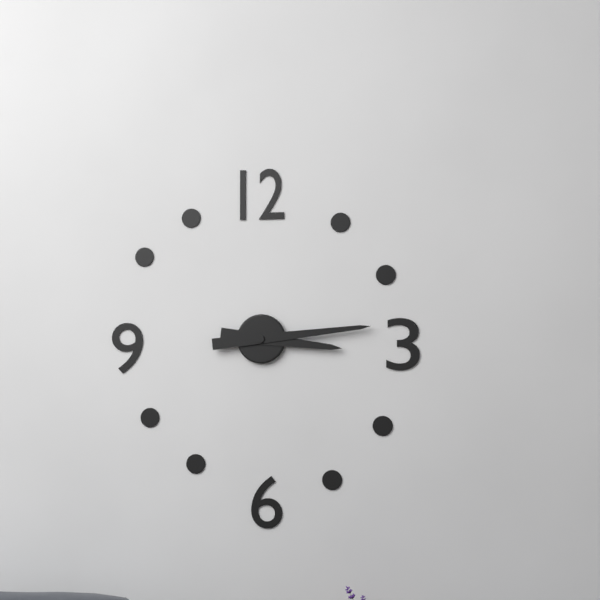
{"hour": 3, "minute": 14}
